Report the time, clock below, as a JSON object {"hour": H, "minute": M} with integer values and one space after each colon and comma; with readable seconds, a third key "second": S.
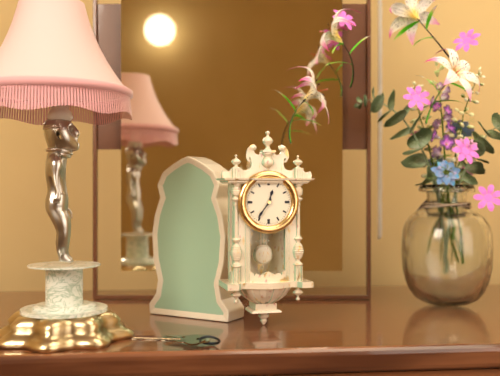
{"hour": 12, "minute": 36}
